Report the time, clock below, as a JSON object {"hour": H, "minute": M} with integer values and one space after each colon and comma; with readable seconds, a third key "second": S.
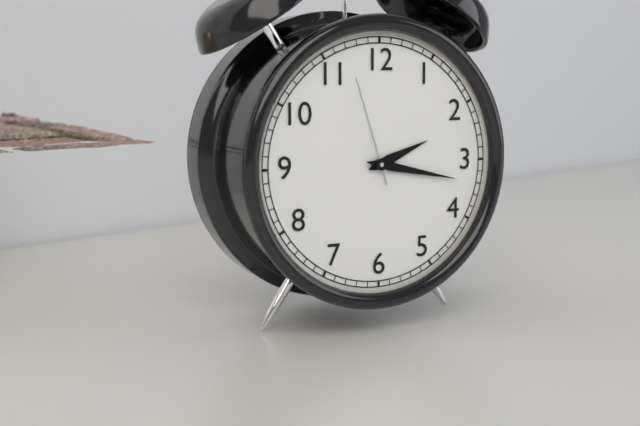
{"hour": 2, "minute": 17, "second": 57}
